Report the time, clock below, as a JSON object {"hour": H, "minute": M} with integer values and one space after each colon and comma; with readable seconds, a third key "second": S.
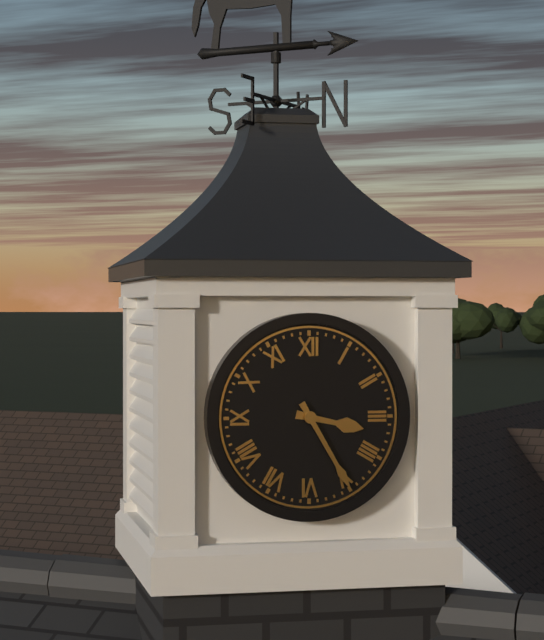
{"hour": 3, "minute": 25}
